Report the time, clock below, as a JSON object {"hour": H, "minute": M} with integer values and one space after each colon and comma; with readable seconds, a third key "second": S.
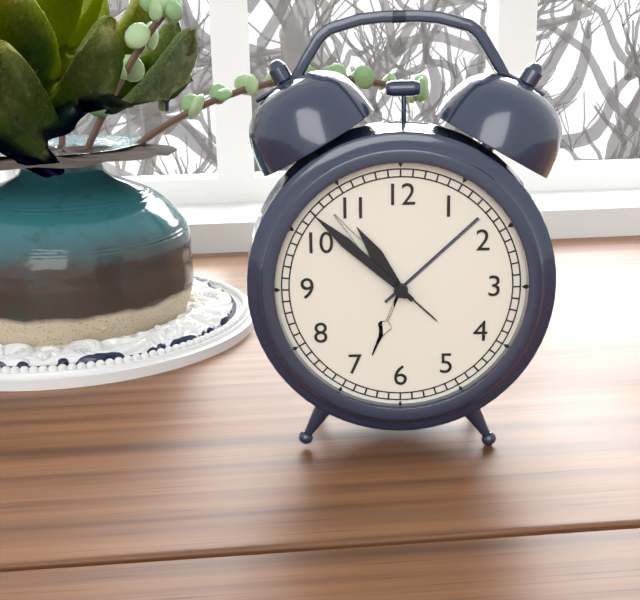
{"hour": 10, "minute": 52}
